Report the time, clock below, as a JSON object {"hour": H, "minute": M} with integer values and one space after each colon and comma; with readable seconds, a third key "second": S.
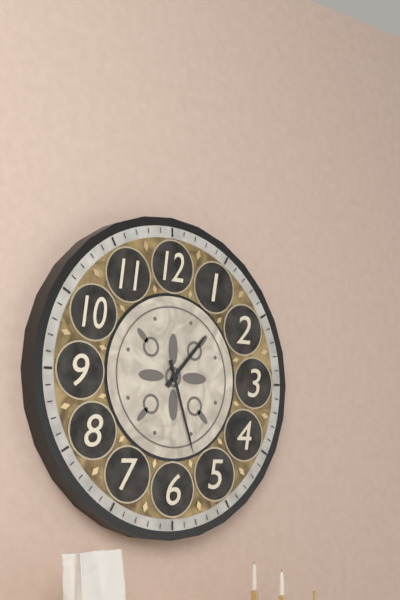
{"hour": 1, "minute": 27}
